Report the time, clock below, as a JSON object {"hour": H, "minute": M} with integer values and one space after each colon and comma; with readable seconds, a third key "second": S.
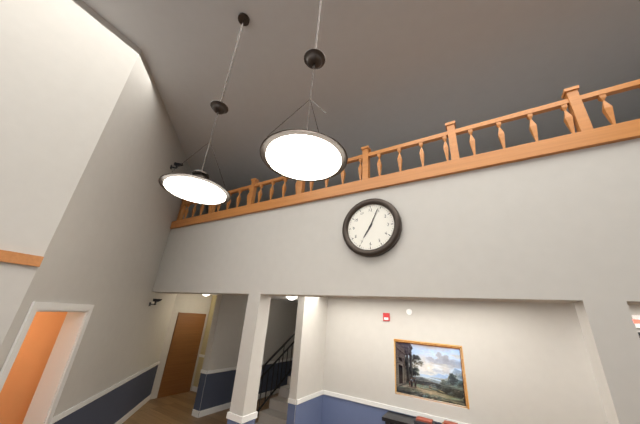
{"hour": 7, "minute": 4}
